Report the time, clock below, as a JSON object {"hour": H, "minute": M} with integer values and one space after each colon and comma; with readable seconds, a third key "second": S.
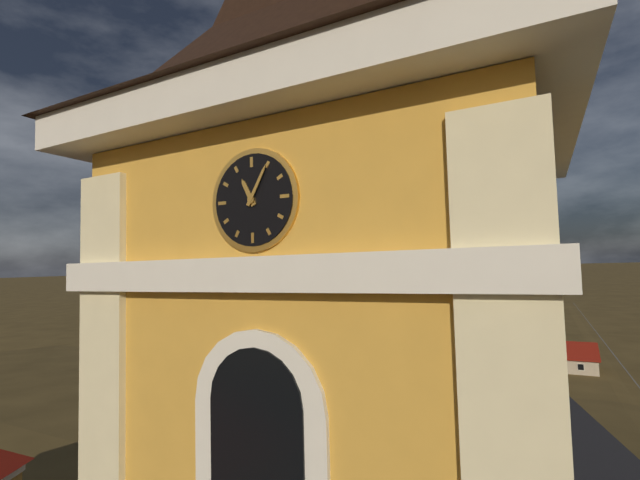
{"hour": 11, "minute": 5}
